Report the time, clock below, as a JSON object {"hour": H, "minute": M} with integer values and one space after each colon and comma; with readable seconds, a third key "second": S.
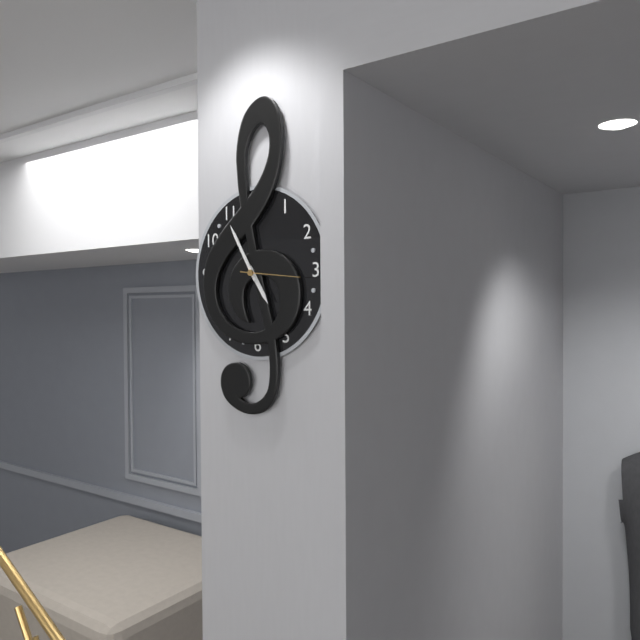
{"hour": 4, "minute": 55, "second": 16}
